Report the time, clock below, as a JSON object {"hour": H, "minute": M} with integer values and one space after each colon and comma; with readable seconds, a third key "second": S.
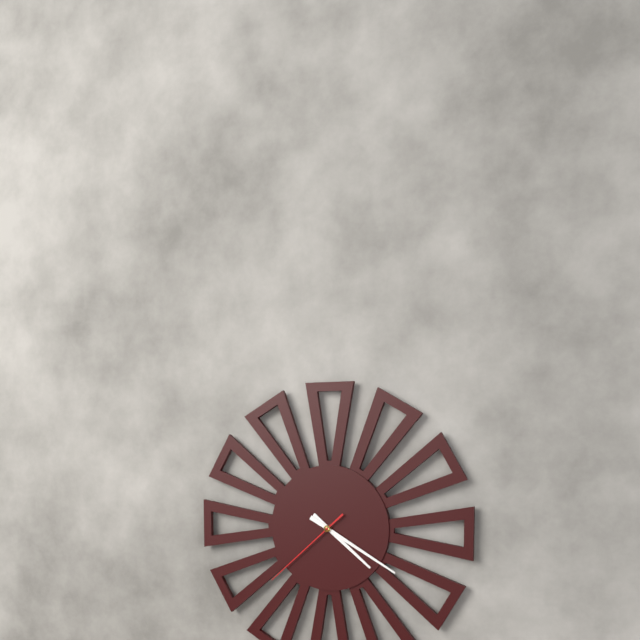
{"hour": 4, "minute": 20, "second": 38}
